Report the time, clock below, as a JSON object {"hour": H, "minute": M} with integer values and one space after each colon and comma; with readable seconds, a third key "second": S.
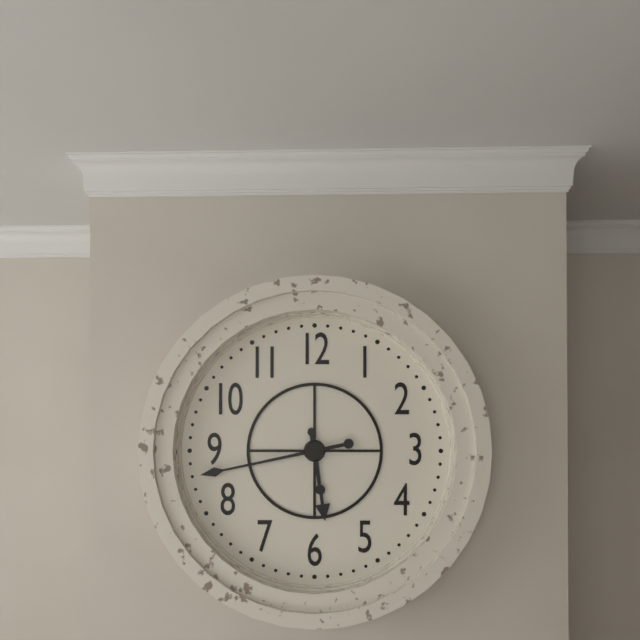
{"hour": 5, "minute": 43}
